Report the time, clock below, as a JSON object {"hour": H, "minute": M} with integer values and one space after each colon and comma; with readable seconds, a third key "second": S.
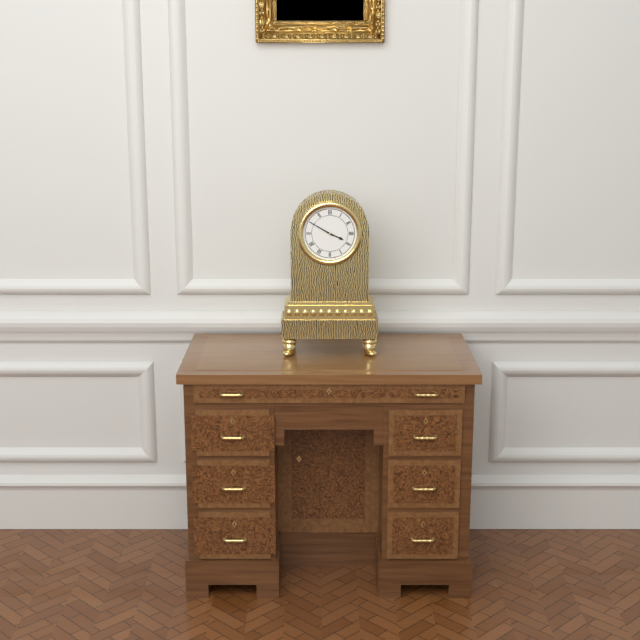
{"hour": 3, "minute": 50}
